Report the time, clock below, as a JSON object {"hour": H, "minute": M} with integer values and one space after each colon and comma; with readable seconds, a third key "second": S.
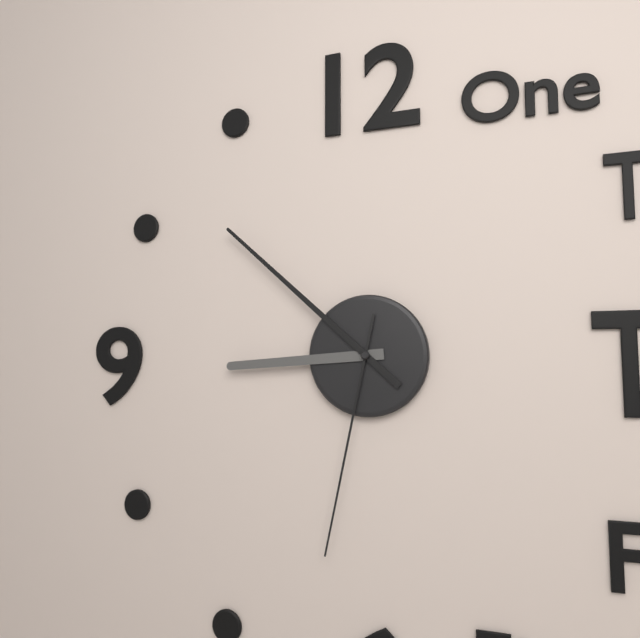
{"hour": 8, "minute": 52, "second": 32}
